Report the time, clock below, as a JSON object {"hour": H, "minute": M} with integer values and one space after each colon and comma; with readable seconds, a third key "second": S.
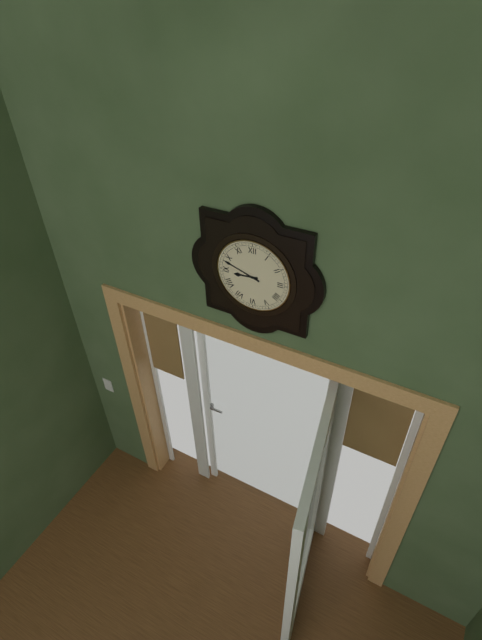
{"hour": 8, "minute": 48}
